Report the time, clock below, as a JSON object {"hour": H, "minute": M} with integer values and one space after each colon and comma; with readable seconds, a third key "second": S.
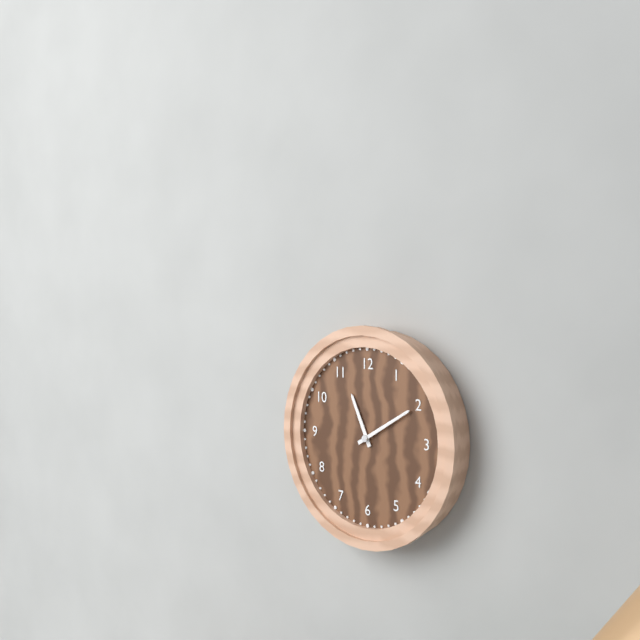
{"hour": 11, "minute": 10}
